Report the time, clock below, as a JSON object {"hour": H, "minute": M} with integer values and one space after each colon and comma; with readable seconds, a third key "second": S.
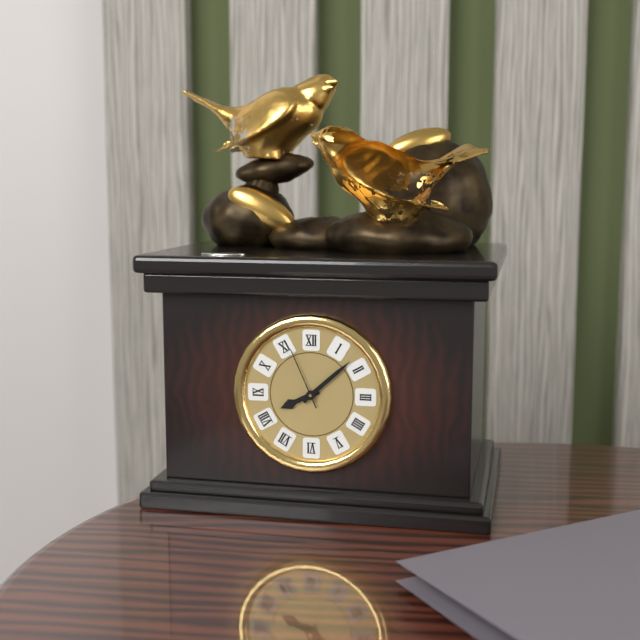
{"hour": 8, "minute": 8, "second": 56}
